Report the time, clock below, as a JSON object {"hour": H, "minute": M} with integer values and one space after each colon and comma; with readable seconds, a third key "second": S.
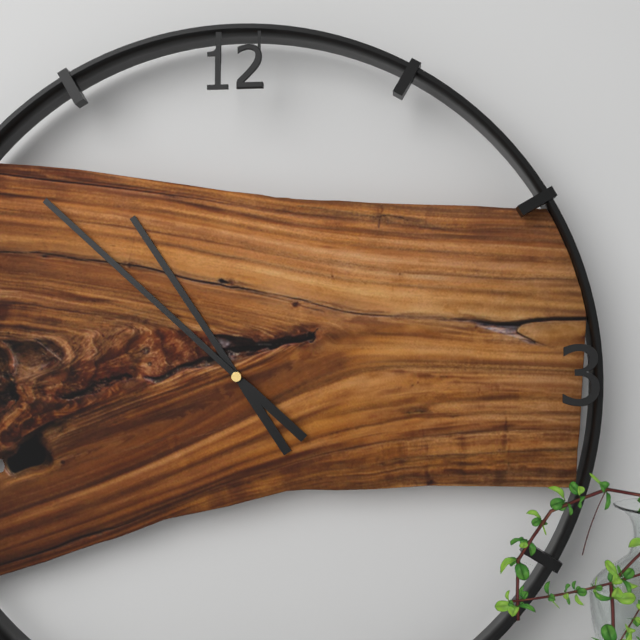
{"hour": 10, "minute": 52}
